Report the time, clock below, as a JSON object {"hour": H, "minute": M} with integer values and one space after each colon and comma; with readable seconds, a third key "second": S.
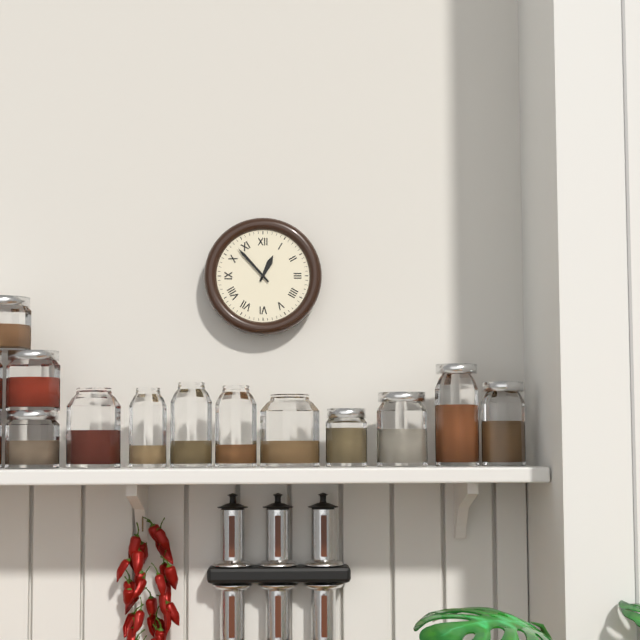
{"hour": 12, "minute": 53}
